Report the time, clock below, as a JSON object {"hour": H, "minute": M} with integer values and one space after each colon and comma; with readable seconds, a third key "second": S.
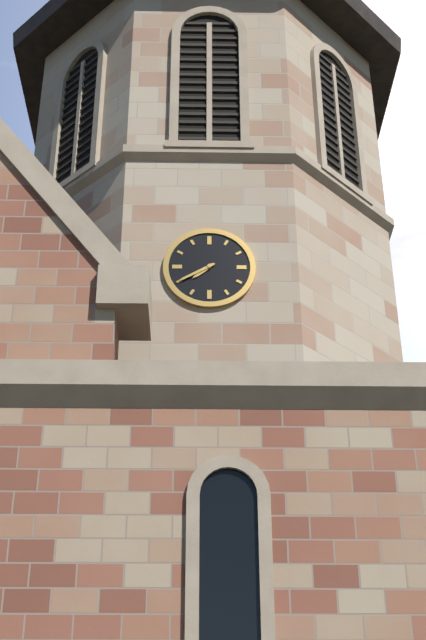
{"hour": 7, "minute": 40}
